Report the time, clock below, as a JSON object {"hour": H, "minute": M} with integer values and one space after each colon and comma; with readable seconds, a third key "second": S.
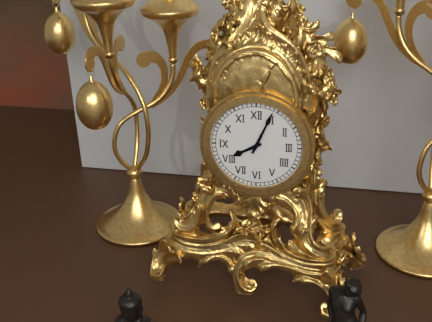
{"hour": 8, "minute": 4}
